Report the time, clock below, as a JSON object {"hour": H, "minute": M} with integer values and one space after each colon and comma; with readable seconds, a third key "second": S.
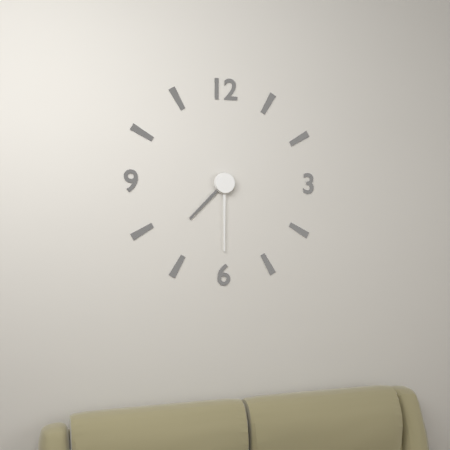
{"hour": 7, "minute": 30}
